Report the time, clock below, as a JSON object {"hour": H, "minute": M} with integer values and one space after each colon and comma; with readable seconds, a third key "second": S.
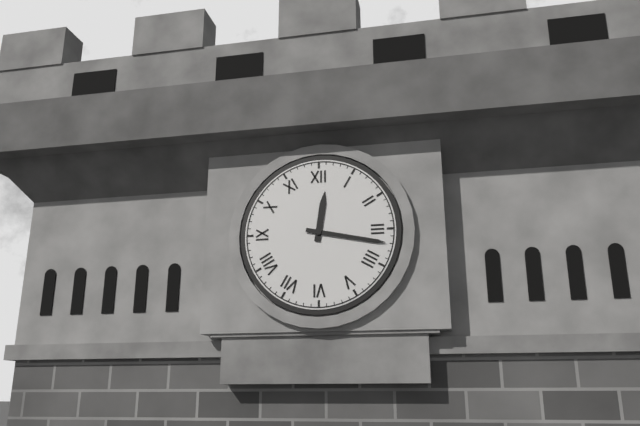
{"hour": 12, "minute": 17}
